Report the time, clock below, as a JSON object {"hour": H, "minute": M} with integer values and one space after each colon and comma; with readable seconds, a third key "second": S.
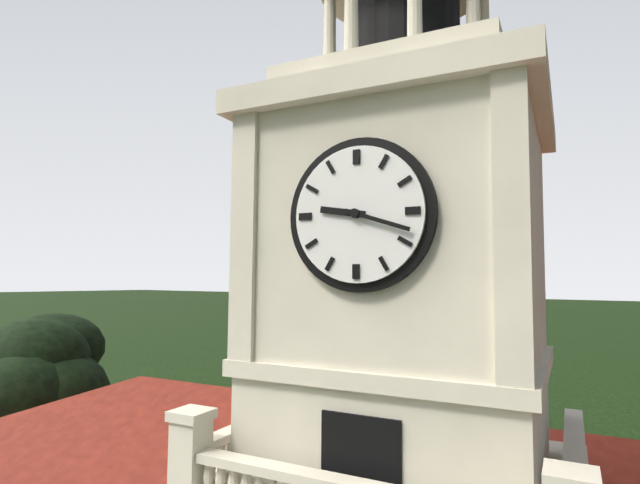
{"hour": 9, "minute": 18}
